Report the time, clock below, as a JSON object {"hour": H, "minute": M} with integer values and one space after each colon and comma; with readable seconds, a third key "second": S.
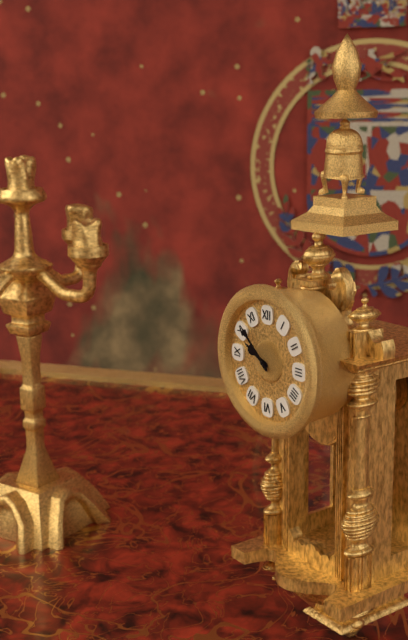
{"hour": 9, "minute": 52}
